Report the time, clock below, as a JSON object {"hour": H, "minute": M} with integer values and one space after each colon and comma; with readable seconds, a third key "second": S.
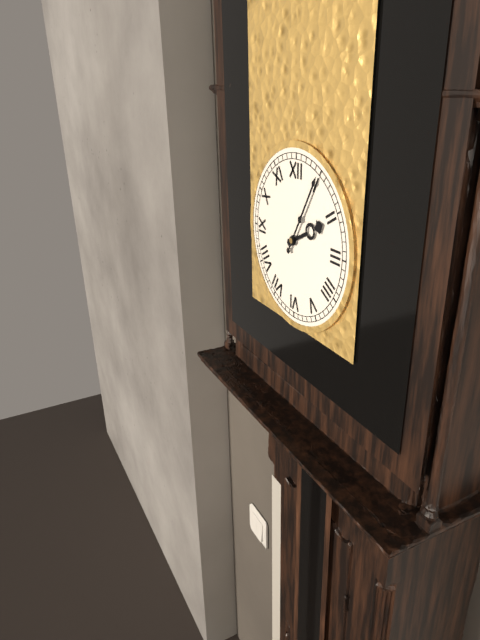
{"hour": 2, "minute": 5}
